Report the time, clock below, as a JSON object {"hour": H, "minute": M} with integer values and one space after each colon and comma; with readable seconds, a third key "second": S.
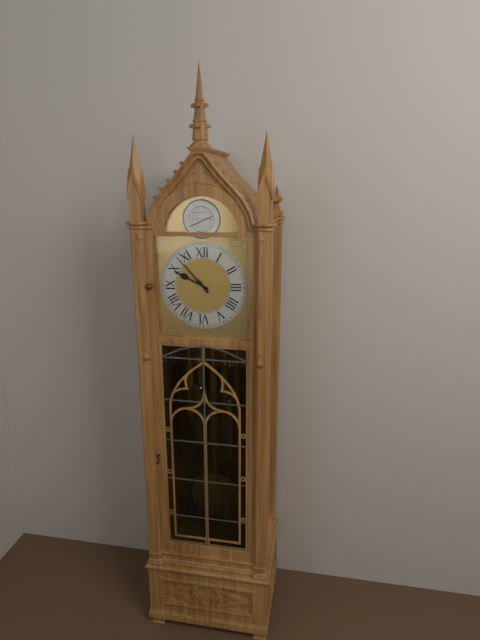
{"hour": 9, "minute": 53}
